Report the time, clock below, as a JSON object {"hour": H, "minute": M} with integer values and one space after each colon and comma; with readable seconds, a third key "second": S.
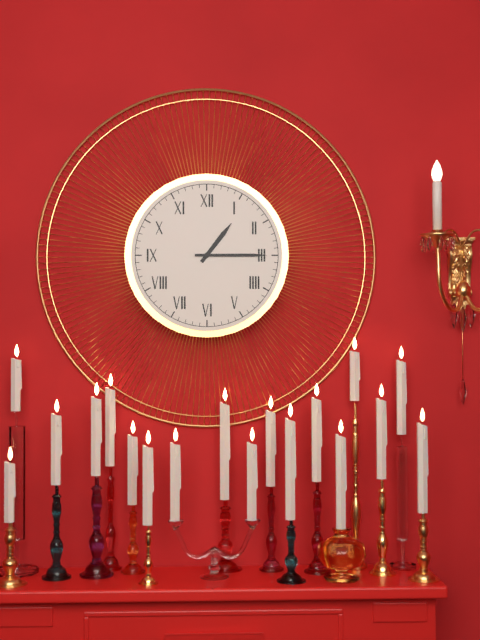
{"hour": 1, "minute": 15}
